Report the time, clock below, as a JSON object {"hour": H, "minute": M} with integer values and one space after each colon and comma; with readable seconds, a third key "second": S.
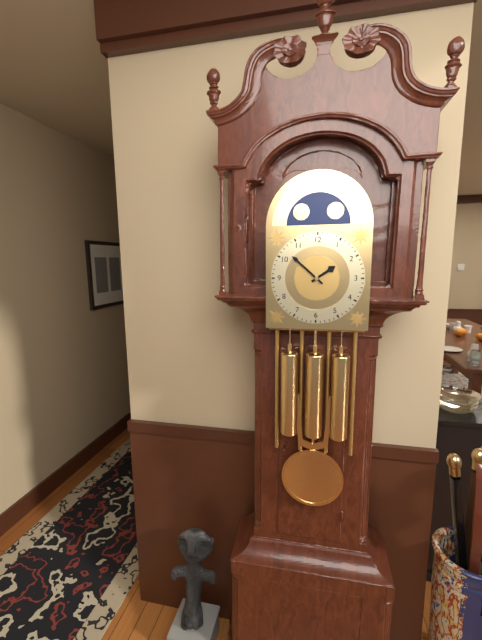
{"hour": 1, "minute": 52}
